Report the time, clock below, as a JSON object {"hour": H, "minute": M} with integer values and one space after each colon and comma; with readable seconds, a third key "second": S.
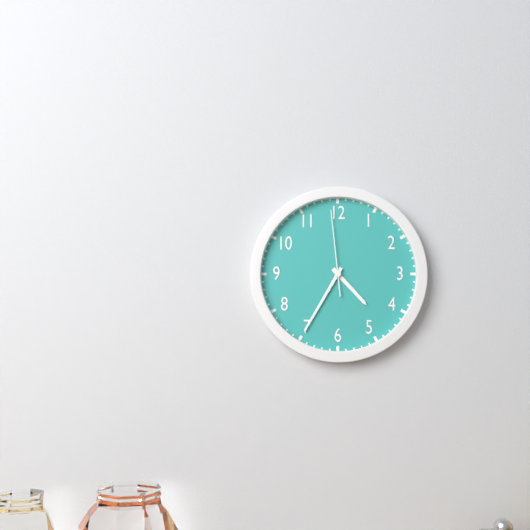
{"hour": 4, "minute": 35, "second": 59}
